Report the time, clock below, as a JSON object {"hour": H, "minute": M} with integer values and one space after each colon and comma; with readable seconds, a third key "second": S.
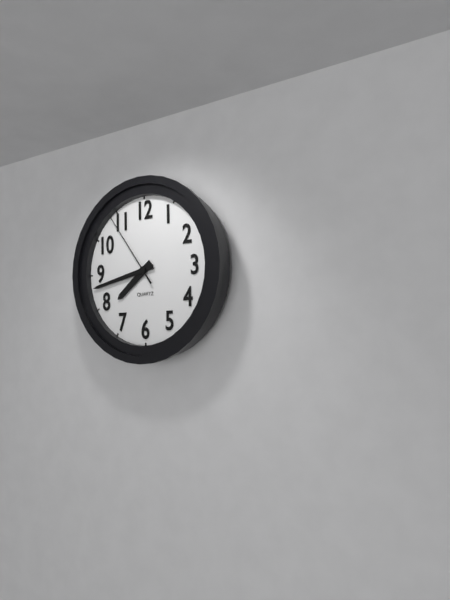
{"hour": 7, "minute": 43, "second": 54}
